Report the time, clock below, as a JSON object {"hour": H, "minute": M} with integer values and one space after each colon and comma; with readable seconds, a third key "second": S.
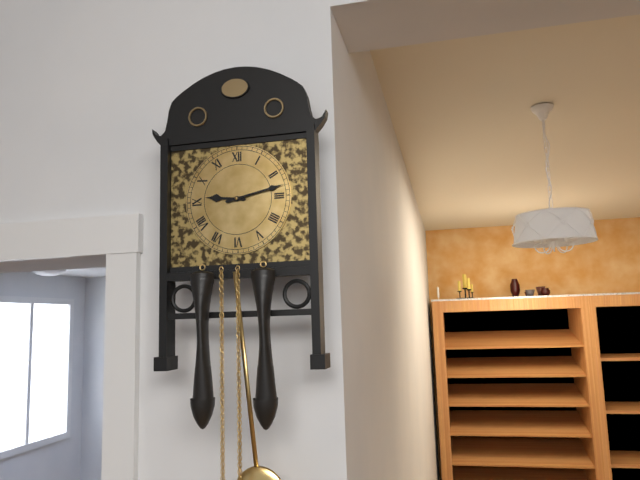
{"hour": 9, "minute": 13}
